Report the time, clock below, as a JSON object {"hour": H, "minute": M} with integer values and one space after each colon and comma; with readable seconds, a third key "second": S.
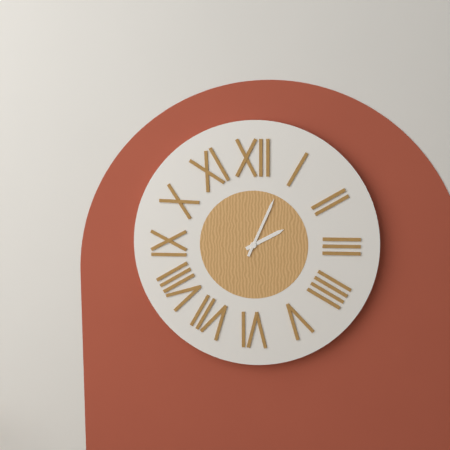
{"hour": 2, "minute": 4}
